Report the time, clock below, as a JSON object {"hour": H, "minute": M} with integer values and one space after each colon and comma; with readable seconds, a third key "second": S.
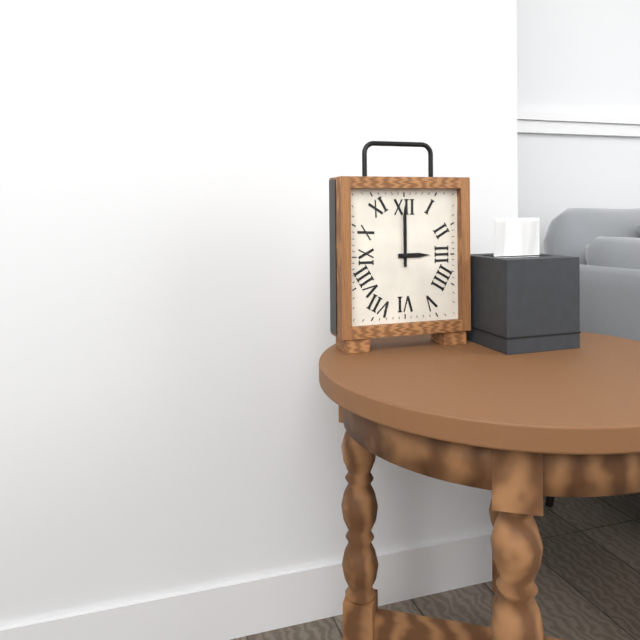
{"hour": 3, "minute": 0}
